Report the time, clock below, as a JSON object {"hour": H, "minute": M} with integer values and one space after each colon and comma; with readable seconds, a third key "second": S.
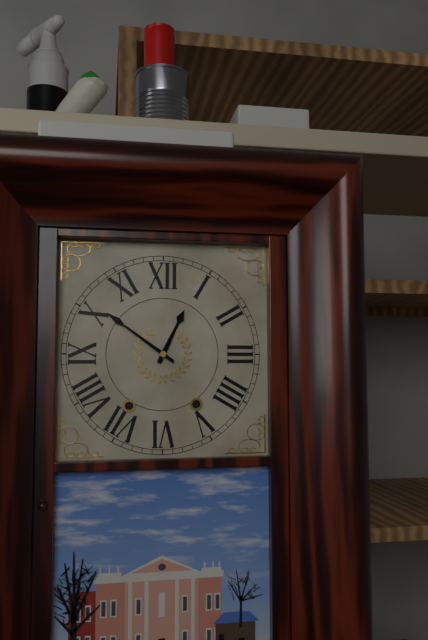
{"hour": 12, "minute": 51}
